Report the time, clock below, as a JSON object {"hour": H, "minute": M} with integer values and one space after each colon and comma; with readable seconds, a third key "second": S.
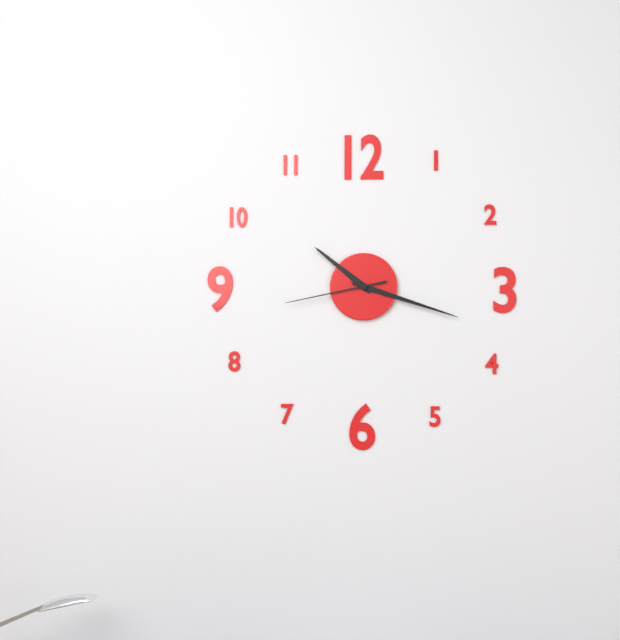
{"hour": 10, "minute": 18, "second": 43}
